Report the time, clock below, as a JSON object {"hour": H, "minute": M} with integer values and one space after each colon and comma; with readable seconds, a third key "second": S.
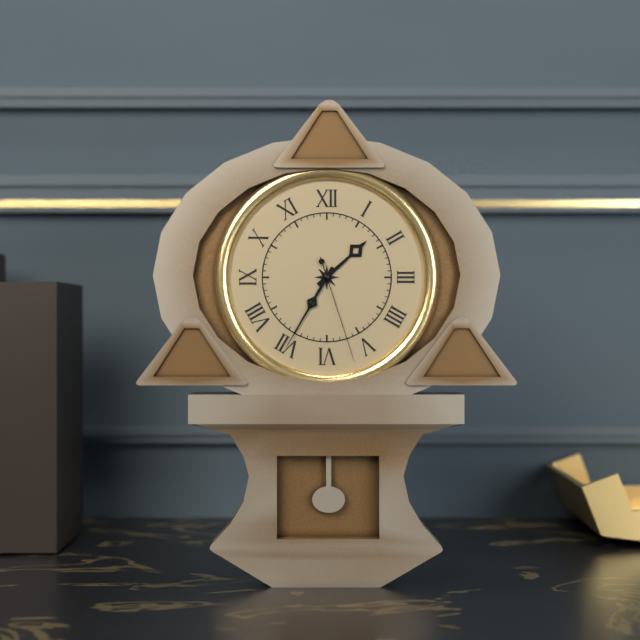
{"hour": 1, "minute": 35, "second": 27}
